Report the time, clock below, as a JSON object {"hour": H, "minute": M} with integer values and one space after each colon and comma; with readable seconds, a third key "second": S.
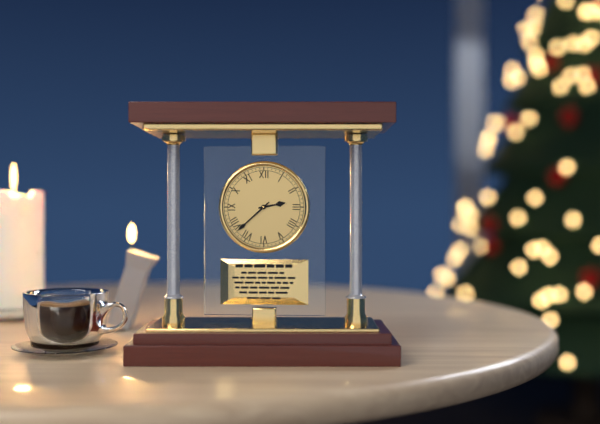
{"hour": 2, "minute": 38}
